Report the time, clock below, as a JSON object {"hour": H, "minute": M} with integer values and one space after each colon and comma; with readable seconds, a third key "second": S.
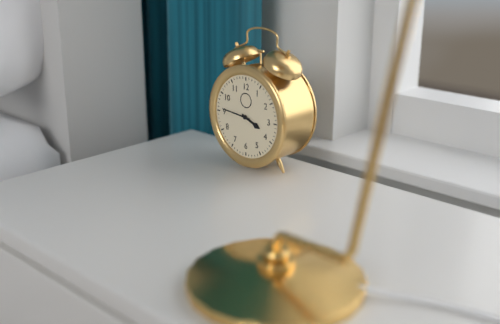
{"hour": 3, "minute": 46}
